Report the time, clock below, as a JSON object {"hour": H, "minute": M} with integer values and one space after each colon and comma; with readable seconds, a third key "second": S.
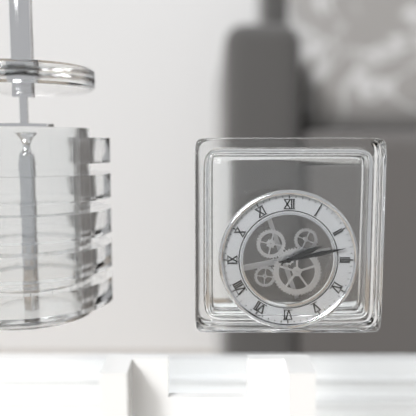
{"hour": 2, "minute": 13}
